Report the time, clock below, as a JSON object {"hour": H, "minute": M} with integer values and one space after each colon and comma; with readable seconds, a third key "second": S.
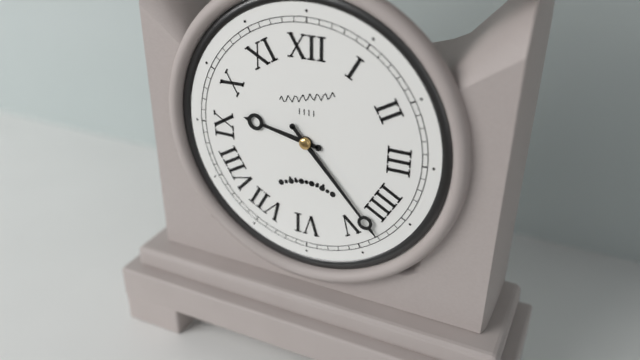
{"hour": 9, "minute": 23}
